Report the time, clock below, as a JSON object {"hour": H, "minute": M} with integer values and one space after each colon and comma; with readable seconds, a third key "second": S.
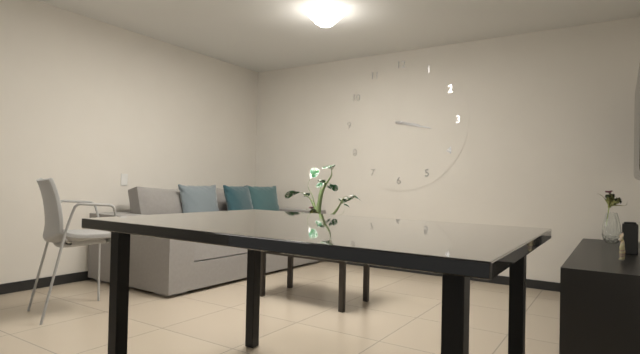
{"hour": 3, "minute": 17}
